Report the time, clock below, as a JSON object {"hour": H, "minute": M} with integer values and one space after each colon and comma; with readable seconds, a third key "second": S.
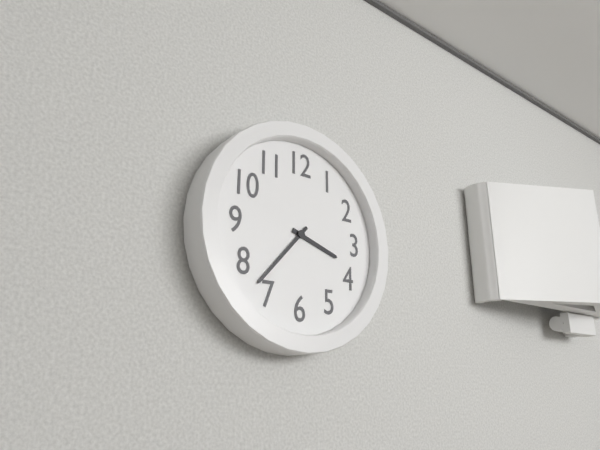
{"hour": 3, "minute": 37}
